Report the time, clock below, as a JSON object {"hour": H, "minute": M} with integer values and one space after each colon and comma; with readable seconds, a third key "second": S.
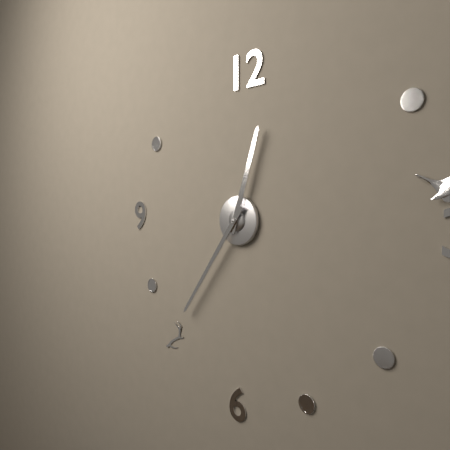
{"hour": 12, "minute": 36}
